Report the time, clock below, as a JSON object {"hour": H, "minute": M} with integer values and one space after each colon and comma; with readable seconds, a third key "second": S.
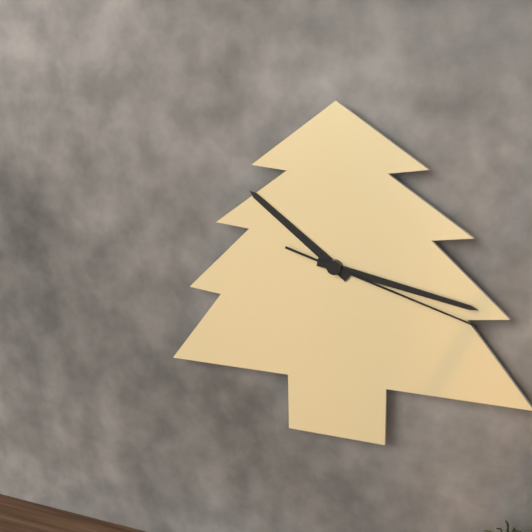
{"hour": 10, "minute": 17, "second": 18}
